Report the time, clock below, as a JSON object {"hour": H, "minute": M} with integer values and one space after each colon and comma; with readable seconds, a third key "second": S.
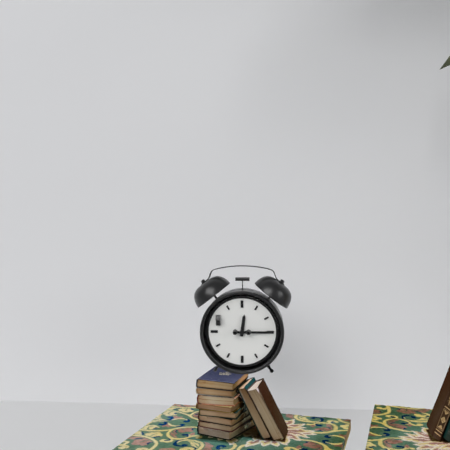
{"hour": 12, "minute": 15}
